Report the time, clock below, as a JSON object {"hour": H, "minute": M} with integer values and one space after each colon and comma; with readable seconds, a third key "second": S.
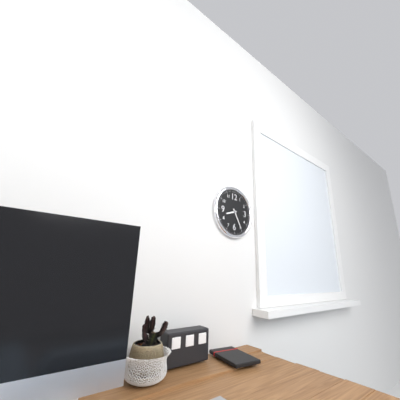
{"hour": 8, "minute": 25}
